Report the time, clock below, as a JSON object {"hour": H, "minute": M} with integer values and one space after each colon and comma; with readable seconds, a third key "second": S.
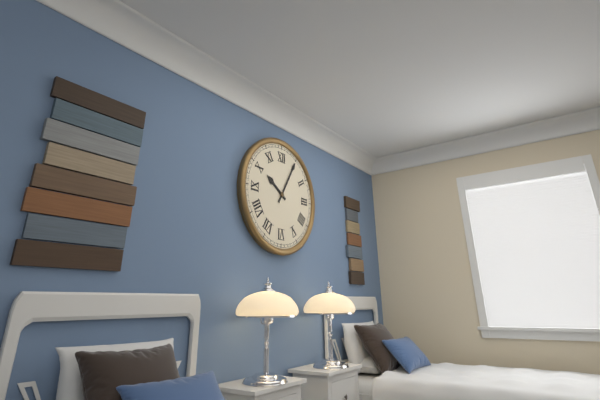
{"hour": 10, "minute": 5}
